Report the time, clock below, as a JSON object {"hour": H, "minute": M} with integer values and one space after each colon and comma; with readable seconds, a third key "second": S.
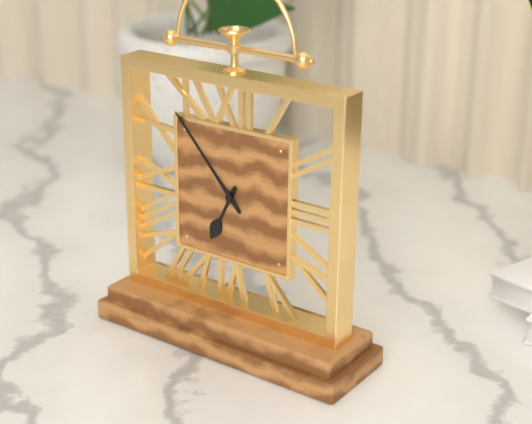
{"hour": 6, "minute": 53}
